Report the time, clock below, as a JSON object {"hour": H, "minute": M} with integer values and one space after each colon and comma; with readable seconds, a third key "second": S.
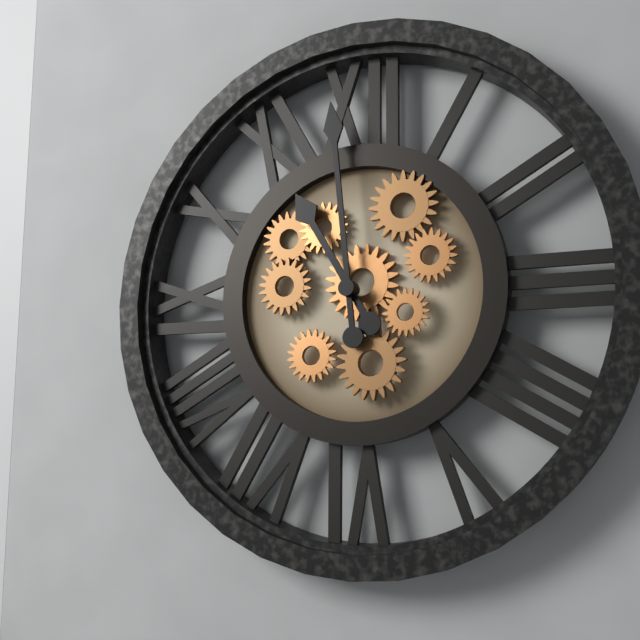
{"hour": 10, "minute": 59}
